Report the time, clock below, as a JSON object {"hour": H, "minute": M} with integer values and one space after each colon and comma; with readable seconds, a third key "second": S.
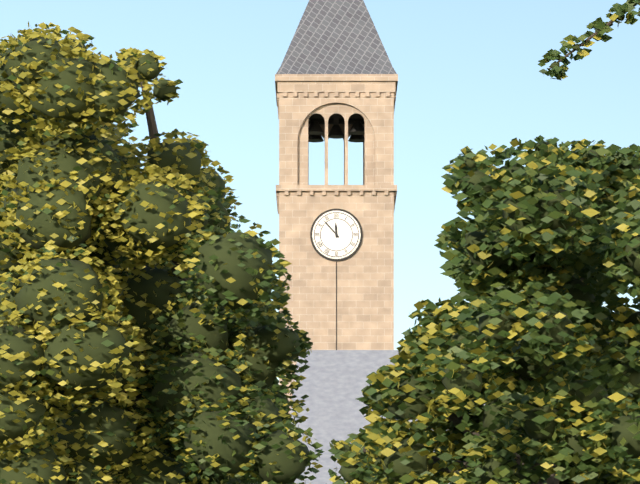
{"hour": 11, "minute": 53}
